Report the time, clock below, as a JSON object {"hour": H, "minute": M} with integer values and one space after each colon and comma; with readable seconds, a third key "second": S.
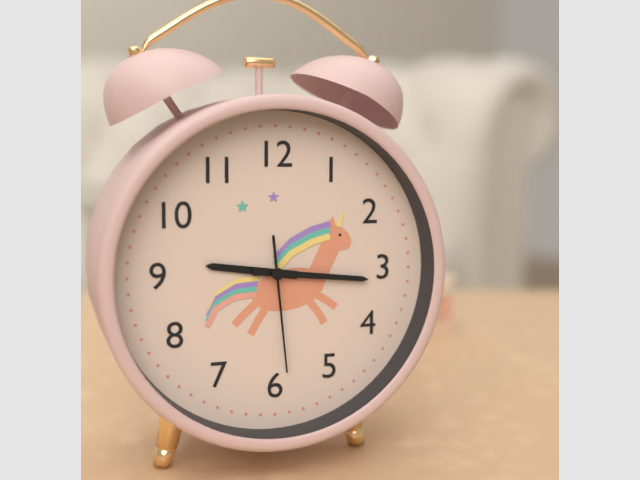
{"hour": 9, "minute": 16, "second": 29}
